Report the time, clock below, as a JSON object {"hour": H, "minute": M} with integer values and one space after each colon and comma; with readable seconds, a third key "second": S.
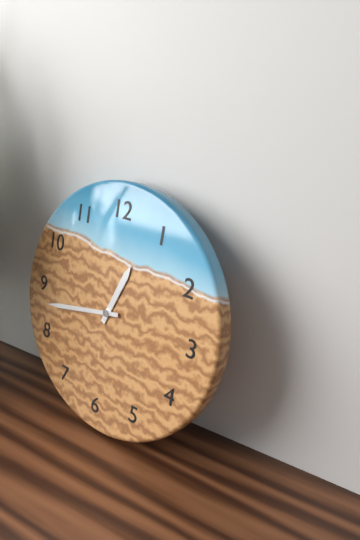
{"hour": 12, "minute": 43}
